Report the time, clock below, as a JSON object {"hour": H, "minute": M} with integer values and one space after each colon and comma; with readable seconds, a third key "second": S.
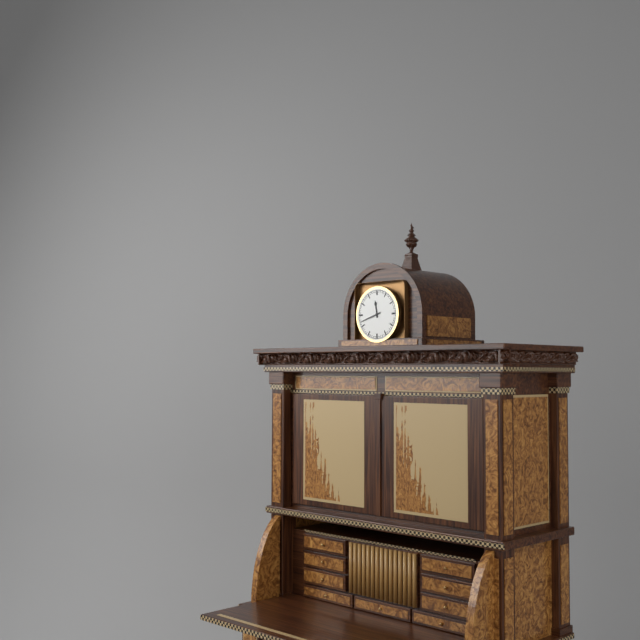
{"hour": 11, "minute": 42}
